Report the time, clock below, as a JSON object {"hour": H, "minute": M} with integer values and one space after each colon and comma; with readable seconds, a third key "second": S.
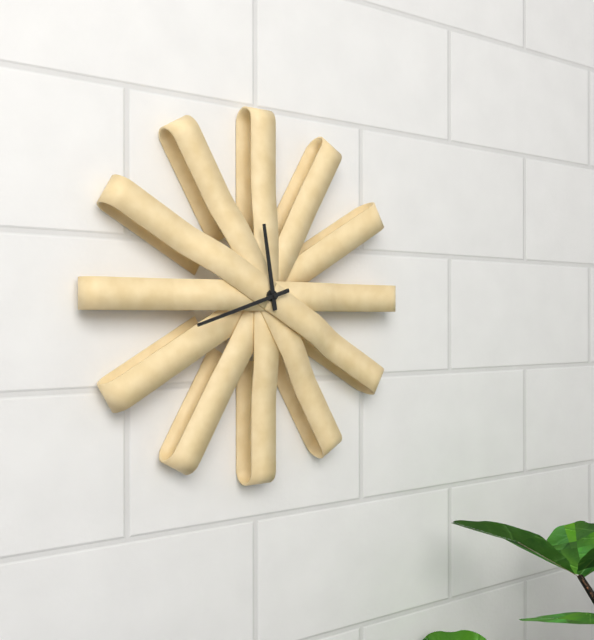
{"hour": 11, "minute": 42}
